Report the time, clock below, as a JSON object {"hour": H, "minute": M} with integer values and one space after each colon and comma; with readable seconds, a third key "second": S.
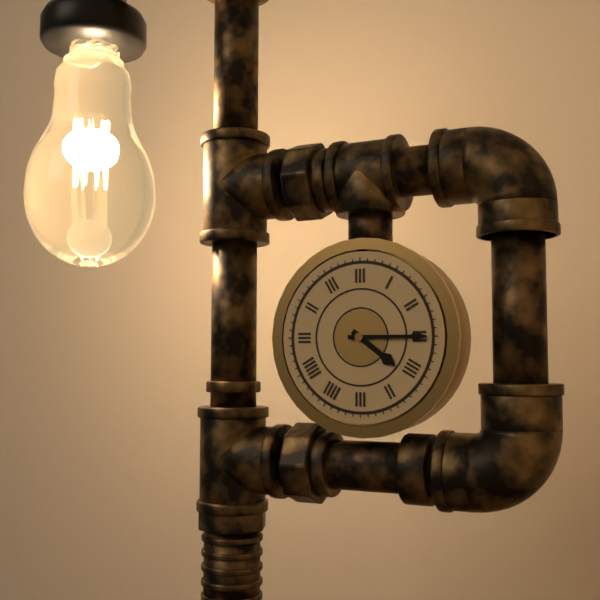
{"hour": 4, "minute": 15}
